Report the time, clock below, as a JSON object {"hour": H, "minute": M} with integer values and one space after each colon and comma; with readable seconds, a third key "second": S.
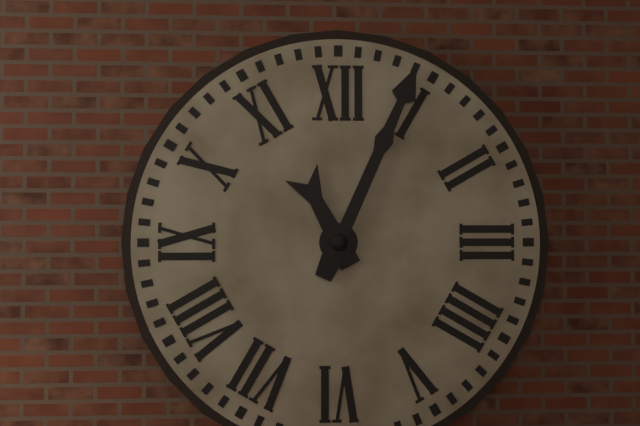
{"hour": 11, "minute": 4}
